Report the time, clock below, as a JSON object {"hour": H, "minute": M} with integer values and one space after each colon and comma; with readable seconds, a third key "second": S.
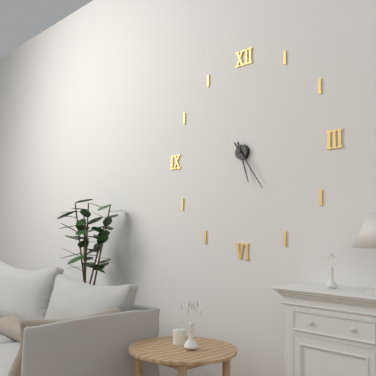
{"hour": 5, "minute": 24}
